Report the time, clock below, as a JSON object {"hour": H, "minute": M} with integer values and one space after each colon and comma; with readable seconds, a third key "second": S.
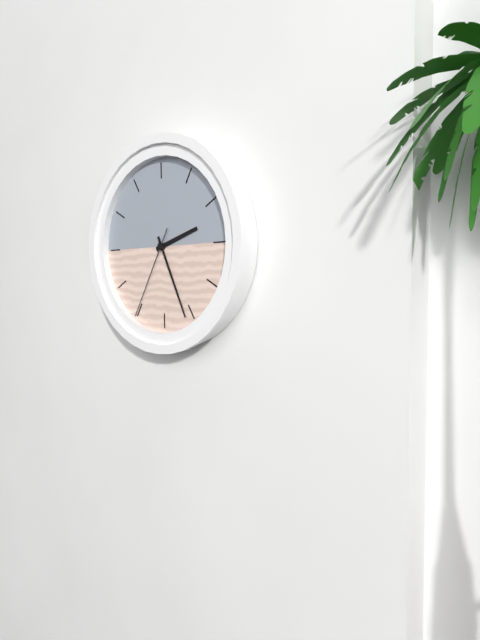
{"hour": 2, "minute": 26, "second": 35}
